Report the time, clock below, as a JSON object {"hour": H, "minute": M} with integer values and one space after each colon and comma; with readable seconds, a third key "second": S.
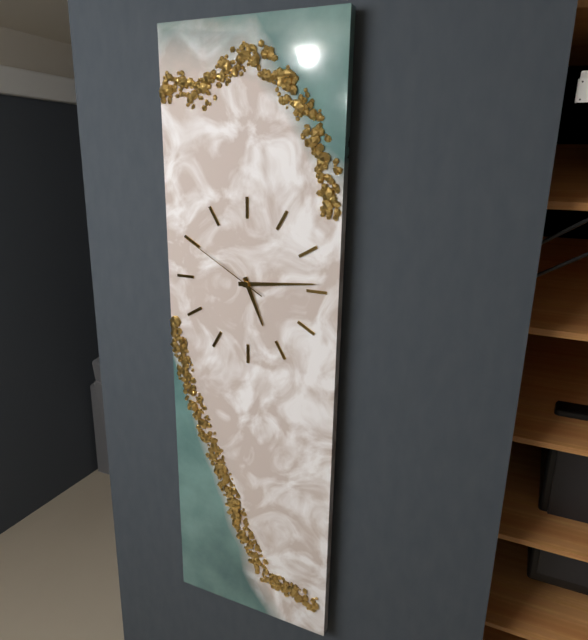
{"hour": 5, "minute": 14, "second": 50}
